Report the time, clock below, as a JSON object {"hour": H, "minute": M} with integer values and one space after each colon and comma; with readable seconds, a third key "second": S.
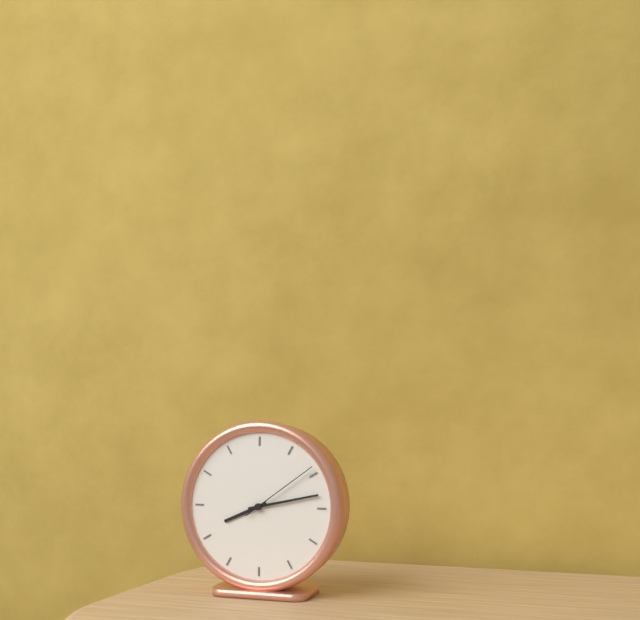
{"hour": 8, "minute": 13, "second": 9}
